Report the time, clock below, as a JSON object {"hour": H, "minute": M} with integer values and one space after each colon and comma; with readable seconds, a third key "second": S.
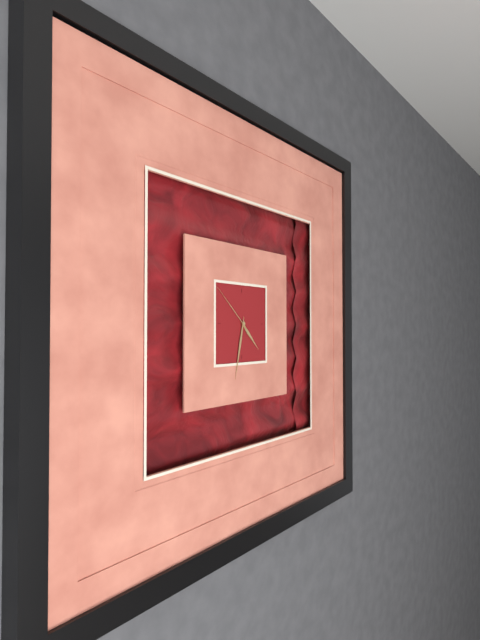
{"hour": 4, "minute": 32, "second": 52}
